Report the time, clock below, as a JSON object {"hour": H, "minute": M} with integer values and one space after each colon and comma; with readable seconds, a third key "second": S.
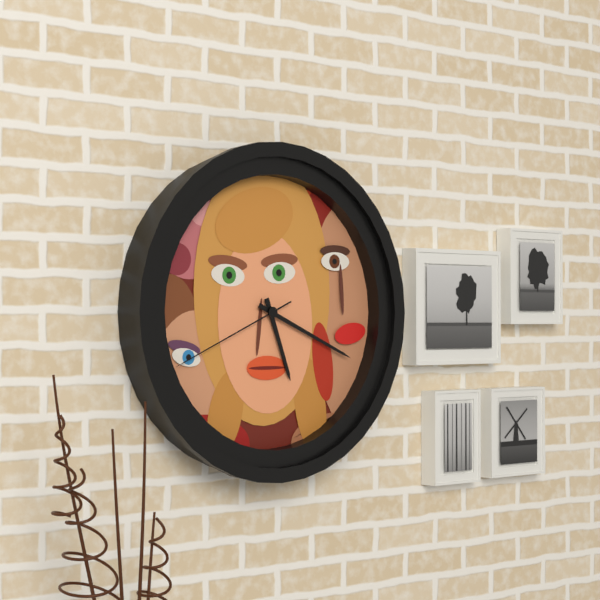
{"hour": 5, "minute": 19, "second": 41}
